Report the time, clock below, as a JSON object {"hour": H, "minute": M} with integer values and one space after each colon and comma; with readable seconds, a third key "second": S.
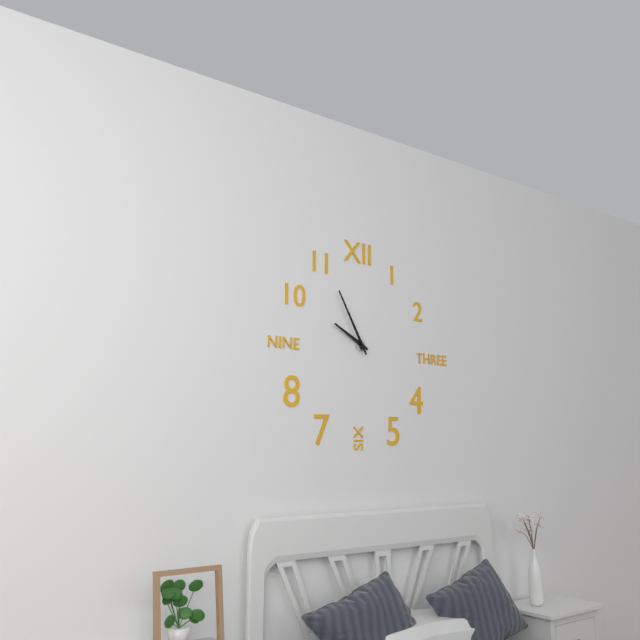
{"hour": 9, "minute": 55}
